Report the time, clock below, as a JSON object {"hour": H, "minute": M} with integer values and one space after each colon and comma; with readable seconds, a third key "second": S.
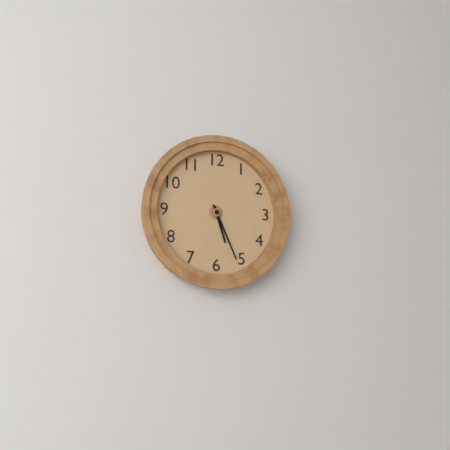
{"hour": 5, "minute": 26}
